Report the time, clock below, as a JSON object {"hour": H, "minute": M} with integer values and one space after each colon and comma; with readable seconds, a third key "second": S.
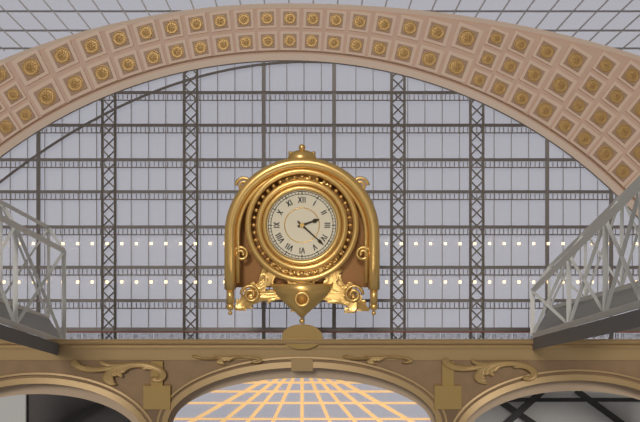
{"hour": 2, "minute": 22}
